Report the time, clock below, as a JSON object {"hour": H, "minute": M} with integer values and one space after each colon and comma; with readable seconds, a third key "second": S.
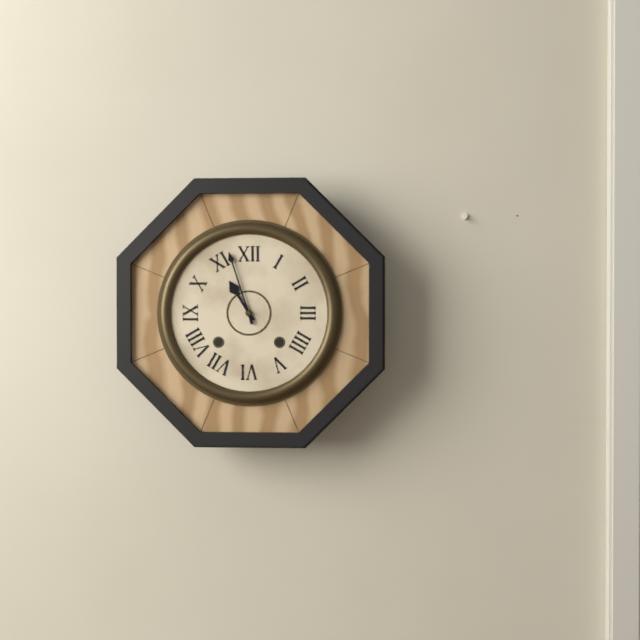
{"hour": 10, "minute": 57}
